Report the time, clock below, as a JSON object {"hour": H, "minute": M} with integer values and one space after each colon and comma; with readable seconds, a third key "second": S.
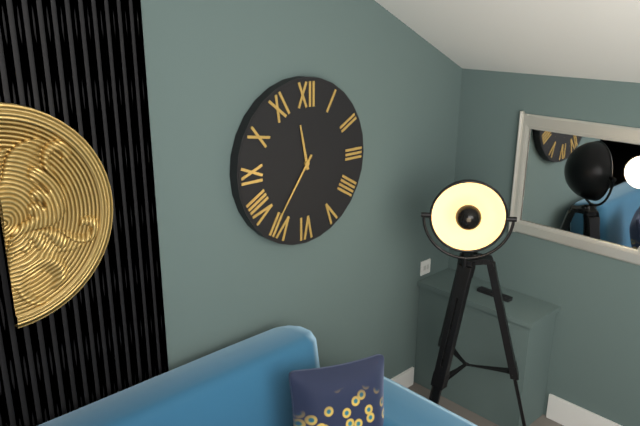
{"hour": 11, "minute": 36}
